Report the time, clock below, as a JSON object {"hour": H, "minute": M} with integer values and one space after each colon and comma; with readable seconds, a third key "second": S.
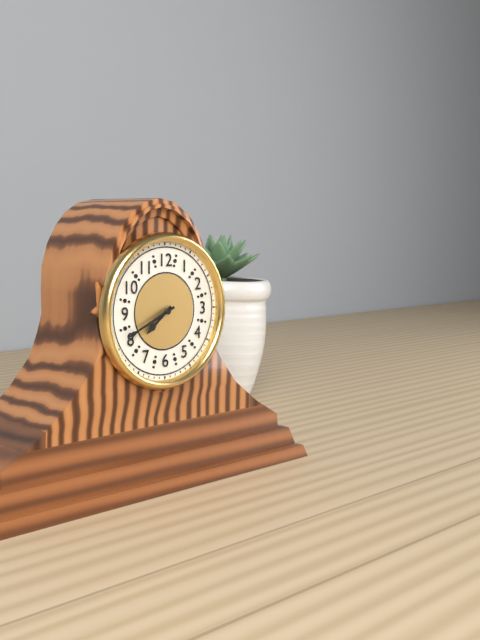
{"hour": 7, "minute": 41}
